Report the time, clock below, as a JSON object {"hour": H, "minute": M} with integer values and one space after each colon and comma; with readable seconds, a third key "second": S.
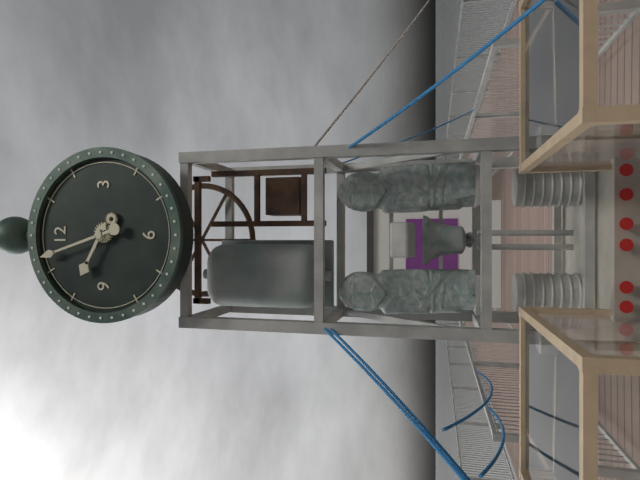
{"hour": 9, "minute": 57}
